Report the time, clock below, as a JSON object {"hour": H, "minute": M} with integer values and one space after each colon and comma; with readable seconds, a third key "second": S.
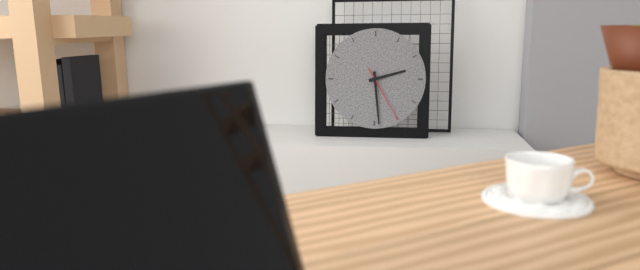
{"hour": 2, "minute": 29, "second": 25}
